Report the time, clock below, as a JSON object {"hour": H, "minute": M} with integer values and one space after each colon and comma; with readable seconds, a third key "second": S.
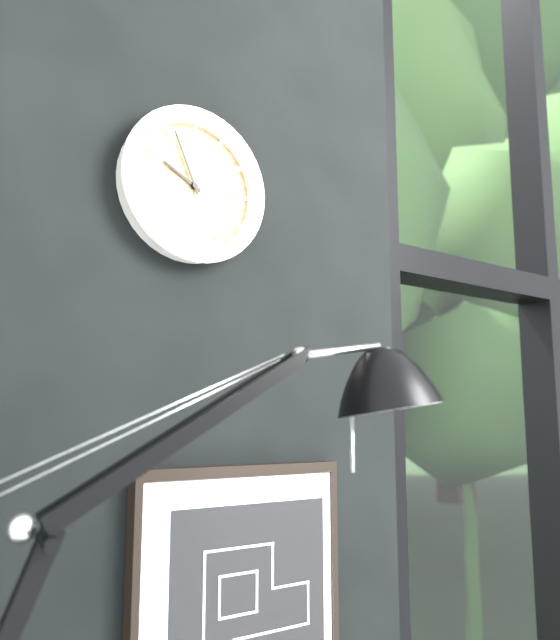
{"hour": 9, "minute": 56}
